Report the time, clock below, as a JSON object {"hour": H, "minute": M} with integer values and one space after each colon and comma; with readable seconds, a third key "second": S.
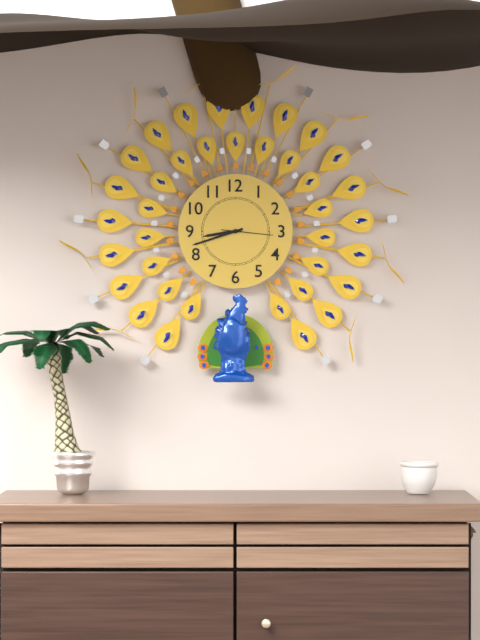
{"hour": 8, "minute": 42}
